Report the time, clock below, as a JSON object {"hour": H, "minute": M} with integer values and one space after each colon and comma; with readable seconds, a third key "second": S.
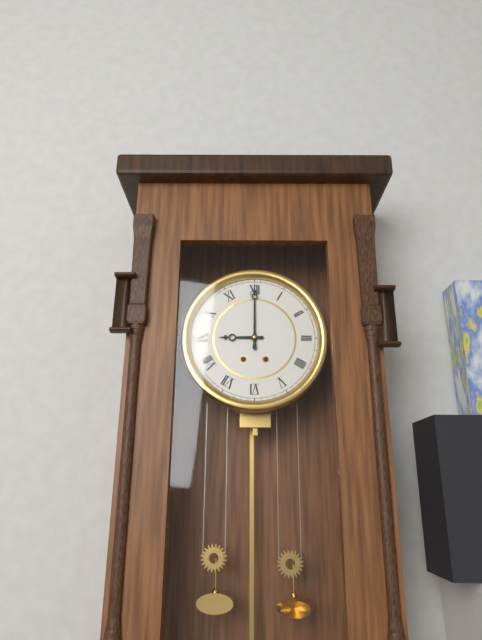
{"hour": 9, "minute": 0}
